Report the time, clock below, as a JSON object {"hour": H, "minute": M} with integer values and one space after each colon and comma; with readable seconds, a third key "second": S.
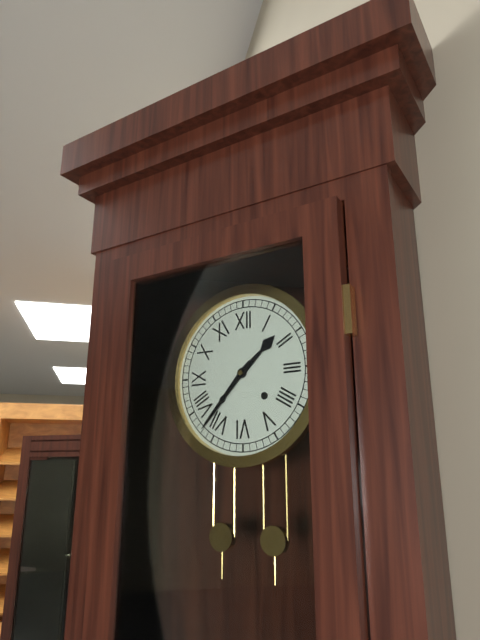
{"hour": 1, "minute": 37}
